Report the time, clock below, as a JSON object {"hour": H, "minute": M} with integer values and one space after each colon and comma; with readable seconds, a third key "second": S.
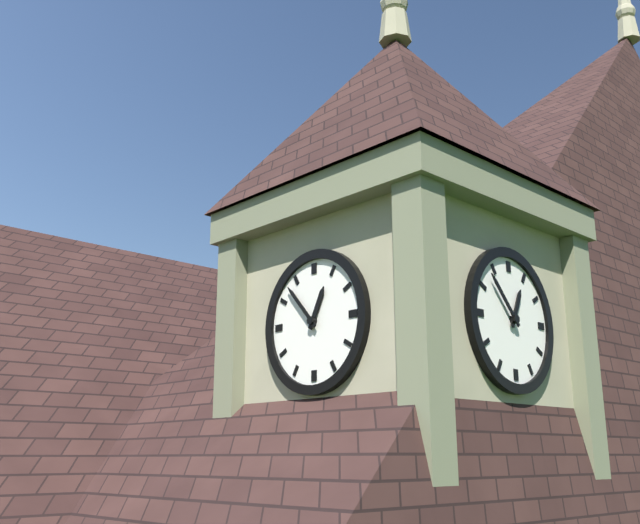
{"hour": 12, "minute": 53}
